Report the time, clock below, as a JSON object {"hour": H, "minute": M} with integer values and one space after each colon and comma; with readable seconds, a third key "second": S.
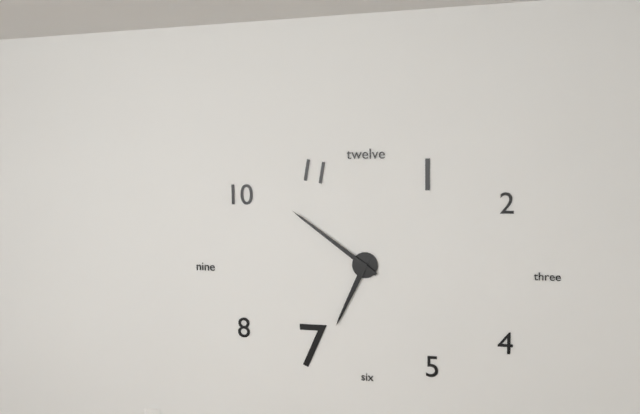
{"hour": 6, "minute": 51}
